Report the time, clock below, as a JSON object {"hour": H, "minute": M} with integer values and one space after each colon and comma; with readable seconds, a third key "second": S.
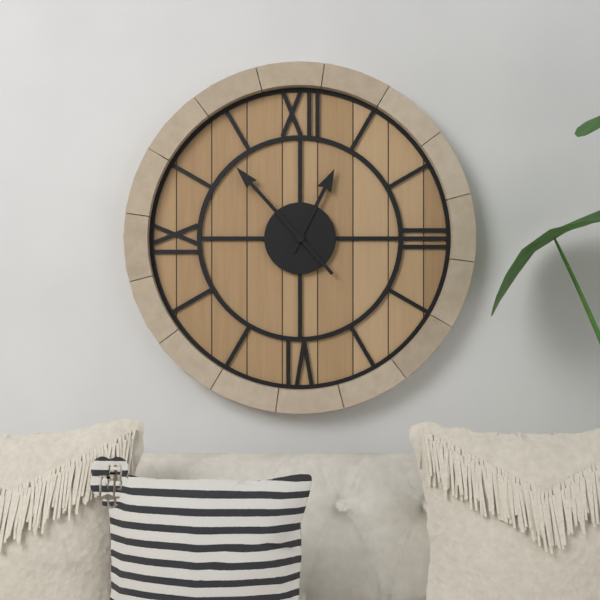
{"hour": 12, "minute": 53}
